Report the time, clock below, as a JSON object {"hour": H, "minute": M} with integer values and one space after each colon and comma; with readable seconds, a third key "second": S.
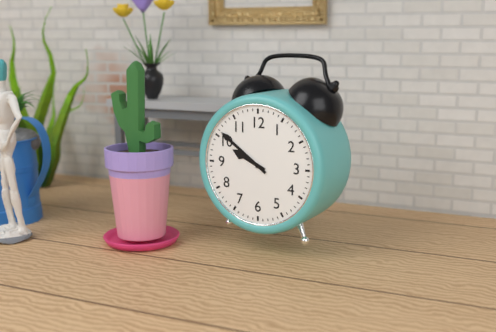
{"hour": 9, "minute": 51}
